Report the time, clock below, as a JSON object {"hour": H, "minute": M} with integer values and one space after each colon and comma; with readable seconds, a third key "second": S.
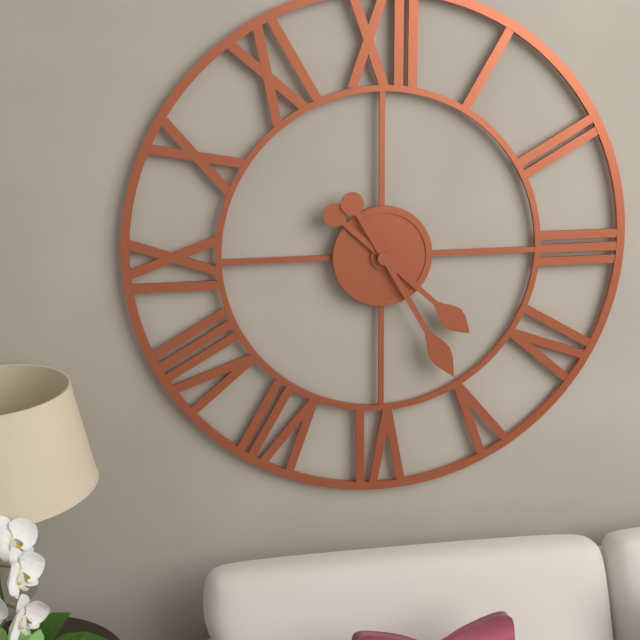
{"hour": 4, "minute": 25}
